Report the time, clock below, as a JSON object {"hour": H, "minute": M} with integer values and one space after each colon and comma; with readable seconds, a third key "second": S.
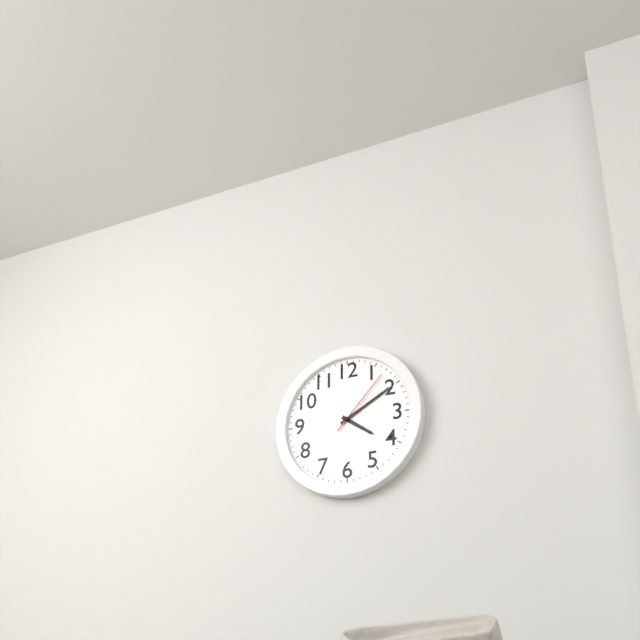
{"hour": 4, "minute": 10, "second": 7}
